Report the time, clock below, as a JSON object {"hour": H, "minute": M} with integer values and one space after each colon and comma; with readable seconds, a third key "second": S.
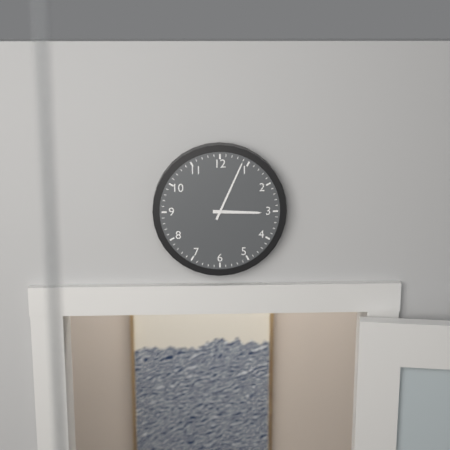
{"hour": 3, "minute": 4}
